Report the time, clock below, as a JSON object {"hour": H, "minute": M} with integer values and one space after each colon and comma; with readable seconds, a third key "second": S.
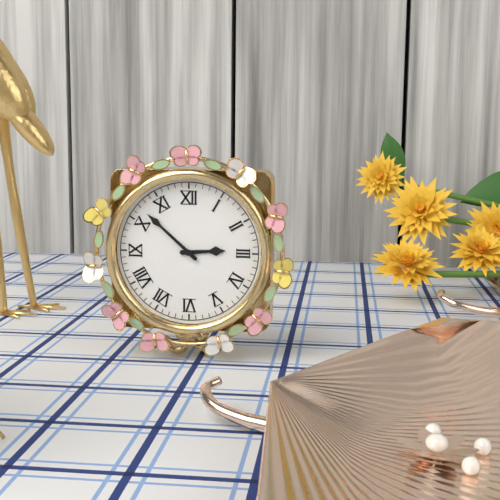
{"hour": 2, "minute": 52}
